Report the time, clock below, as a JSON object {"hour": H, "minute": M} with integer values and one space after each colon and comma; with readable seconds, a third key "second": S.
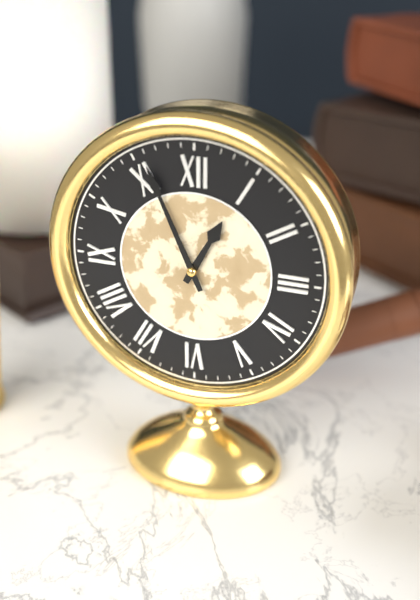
{"hour": 12, "minute": 56}
